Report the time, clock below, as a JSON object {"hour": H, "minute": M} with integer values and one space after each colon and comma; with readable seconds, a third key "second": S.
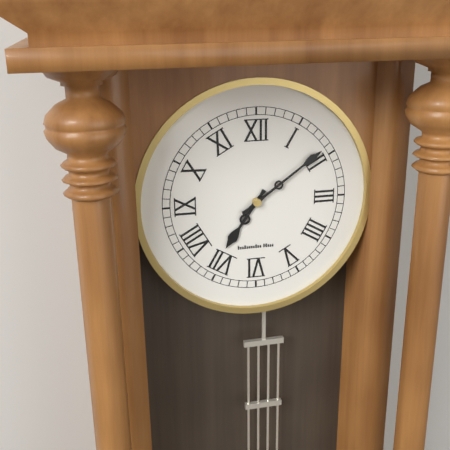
{"hour": 7, "minute": 9}
